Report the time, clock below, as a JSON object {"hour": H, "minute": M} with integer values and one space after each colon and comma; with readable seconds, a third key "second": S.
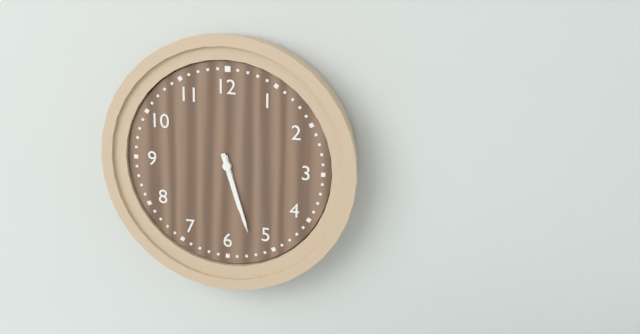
{"hour": 5, "minute": 27}
